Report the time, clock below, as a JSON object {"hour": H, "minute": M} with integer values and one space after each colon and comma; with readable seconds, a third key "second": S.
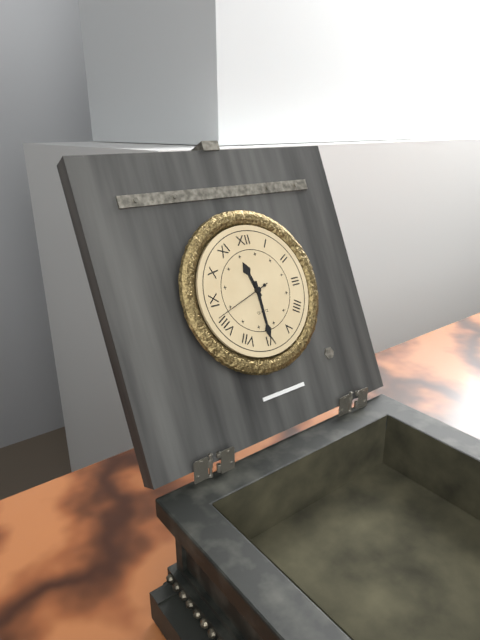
{"hour": 11, "minute": 30, "second": 42}
